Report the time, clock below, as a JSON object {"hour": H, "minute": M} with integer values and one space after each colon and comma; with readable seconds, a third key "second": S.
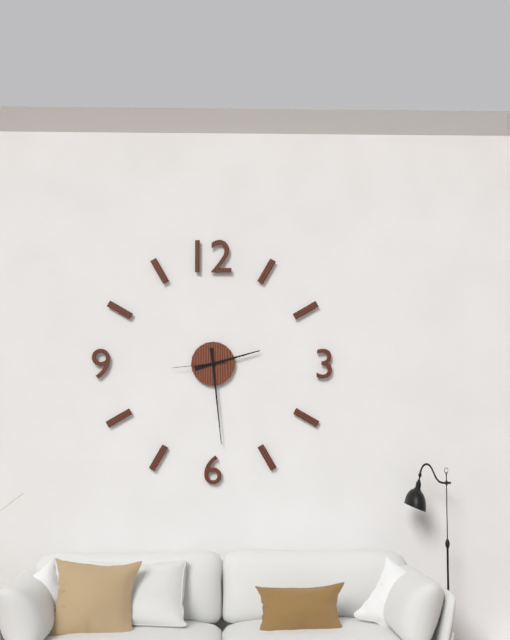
{"hour": 2, "minute": 29, "second": 44}
